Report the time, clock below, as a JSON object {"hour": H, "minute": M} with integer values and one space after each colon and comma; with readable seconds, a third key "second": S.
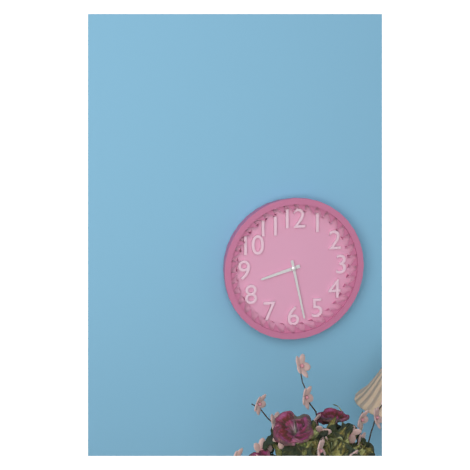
{"hour": 8, "minute": 28}
